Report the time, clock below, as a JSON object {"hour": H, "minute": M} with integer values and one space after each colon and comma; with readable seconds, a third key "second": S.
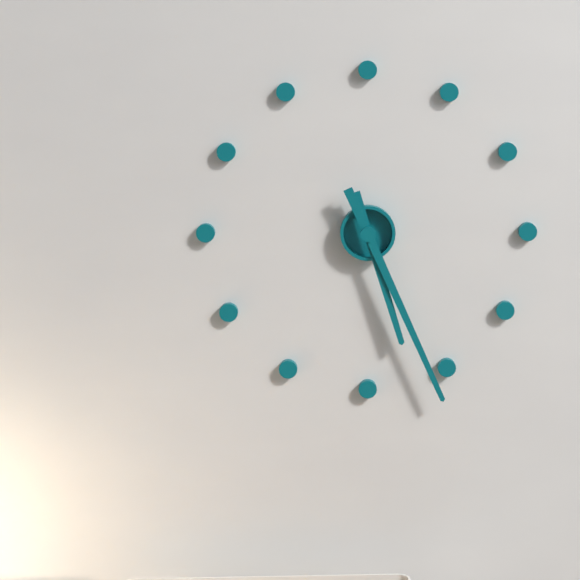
{"hour": 5, "minute": 26}
